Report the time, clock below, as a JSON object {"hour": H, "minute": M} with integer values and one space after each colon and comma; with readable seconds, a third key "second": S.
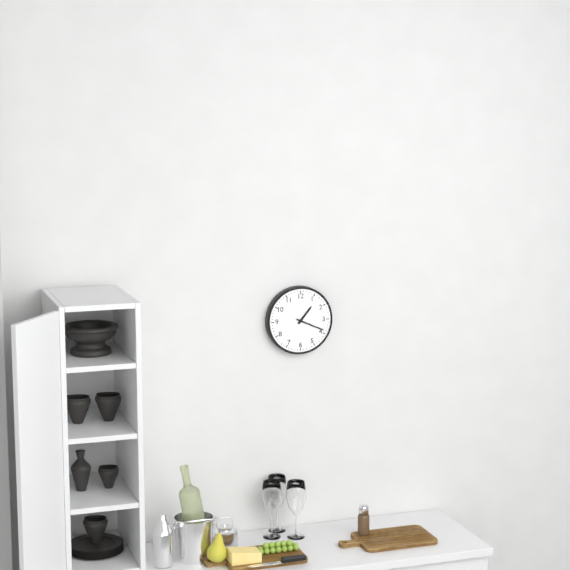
{"hour": 1, "minute": 19}
